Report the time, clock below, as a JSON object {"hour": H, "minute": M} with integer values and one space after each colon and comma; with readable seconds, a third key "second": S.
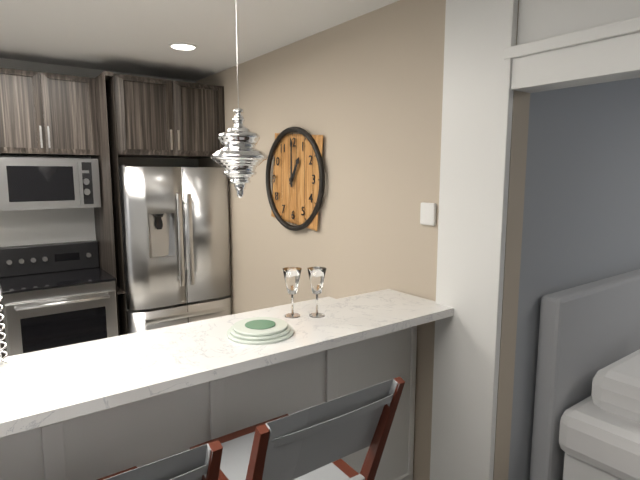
{"hour": 1, "minute": 0}
